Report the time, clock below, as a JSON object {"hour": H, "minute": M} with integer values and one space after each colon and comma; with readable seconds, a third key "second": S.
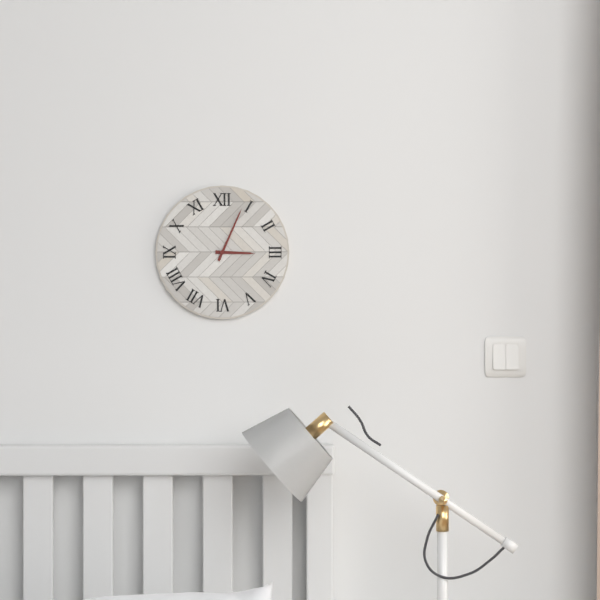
{"hour": 3, "minute": 4}
